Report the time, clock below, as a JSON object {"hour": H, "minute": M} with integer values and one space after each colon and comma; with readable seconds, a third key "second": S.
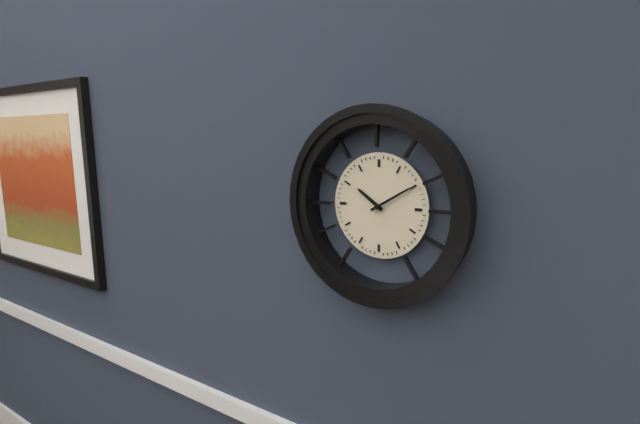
{"hour": 10, "minute": 10}
